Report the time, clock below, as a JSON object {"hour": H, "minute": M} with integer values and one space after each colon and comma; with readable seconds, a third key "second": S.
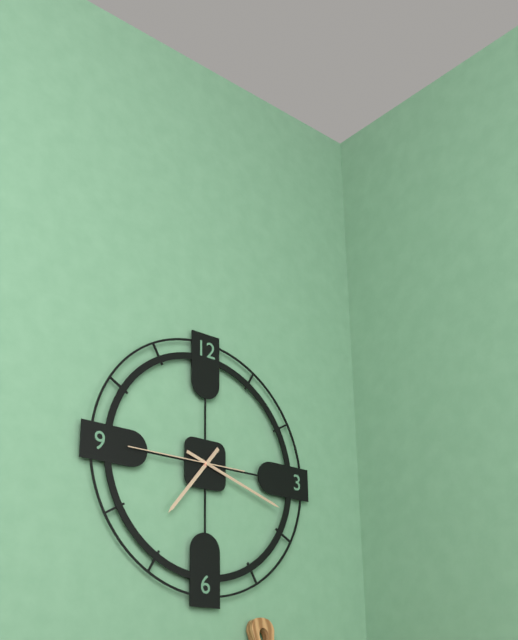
{"hour": 7, "minute": 18, "second": 45}
